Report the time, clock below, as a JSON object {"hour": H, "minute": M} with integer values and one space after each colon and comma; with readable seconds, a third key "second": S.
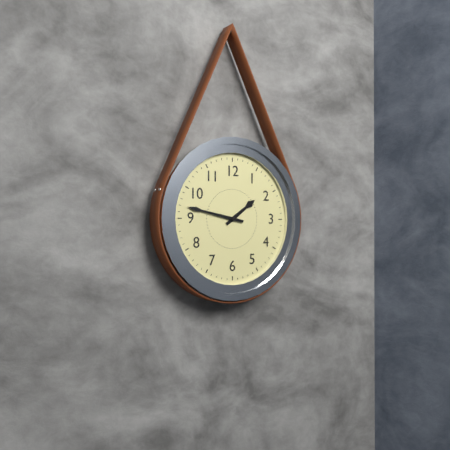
{"hour": 1, "minute": 47}
